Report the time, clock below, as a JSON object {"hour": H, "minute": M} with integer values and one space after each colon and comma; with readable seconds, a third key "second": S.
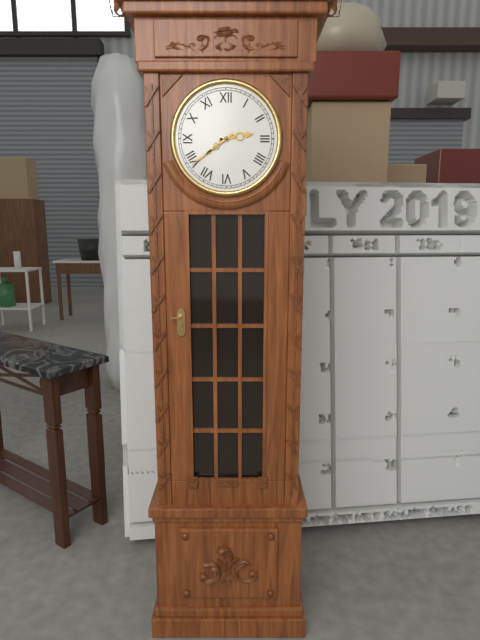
{"hour": 2, "minute": 39}
